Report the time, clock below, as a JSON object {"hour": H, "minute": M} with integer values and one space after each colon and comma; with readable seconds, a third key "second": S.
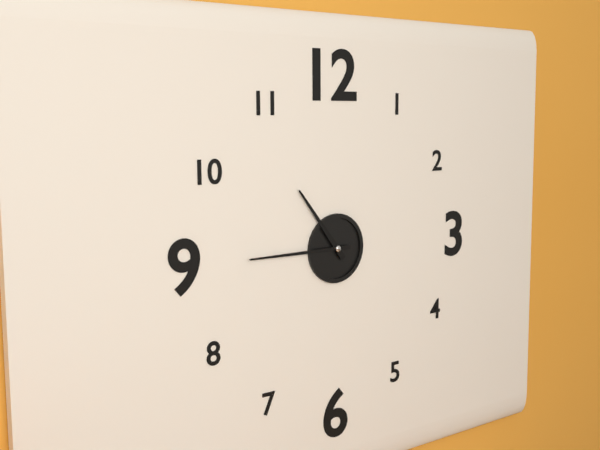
{"hour": 10, "minute": 45}
